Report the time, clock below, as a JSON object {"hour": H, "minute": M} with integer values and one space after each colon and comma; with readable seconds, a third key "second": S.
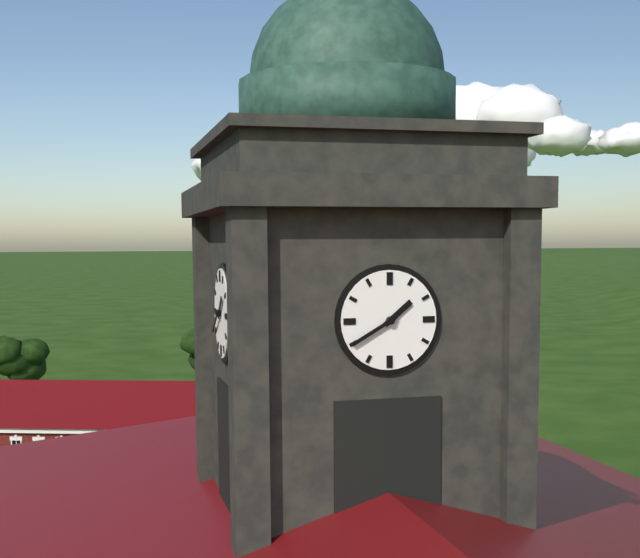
{"hour": 1, "minute": 40}
